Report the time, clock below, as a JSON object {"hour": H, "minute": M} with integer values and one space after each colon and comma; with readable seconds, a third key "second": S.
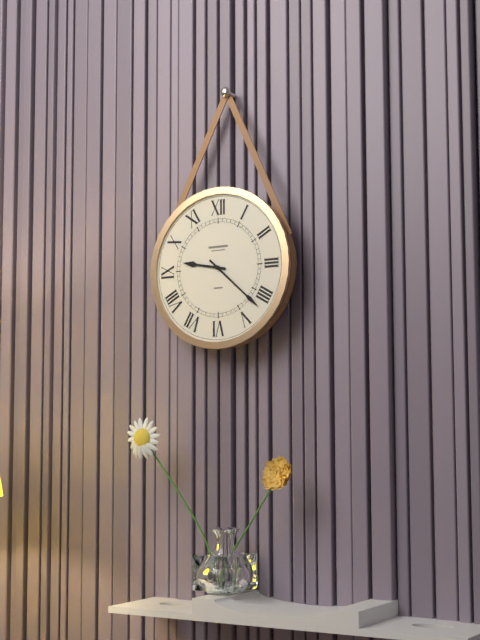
{"hour": 9, "minute": 22}
